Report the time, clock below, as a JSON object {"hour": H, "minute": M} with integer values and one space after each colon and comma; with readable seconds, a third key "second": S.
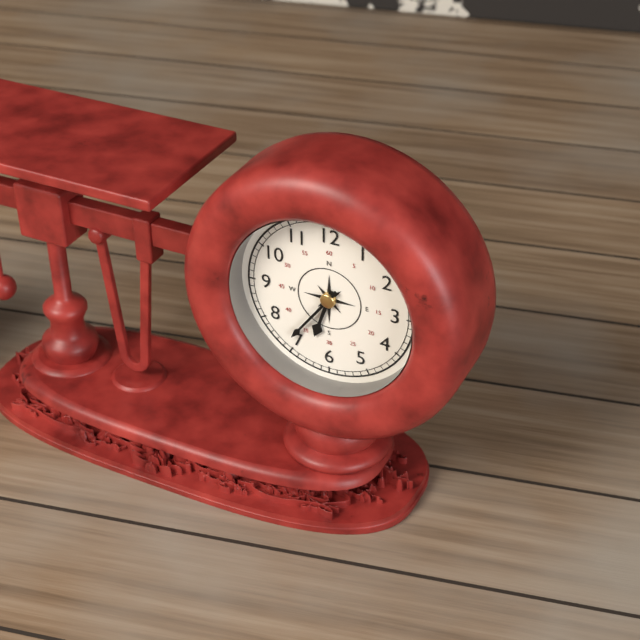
{"hour": 6, "minute": 36}
